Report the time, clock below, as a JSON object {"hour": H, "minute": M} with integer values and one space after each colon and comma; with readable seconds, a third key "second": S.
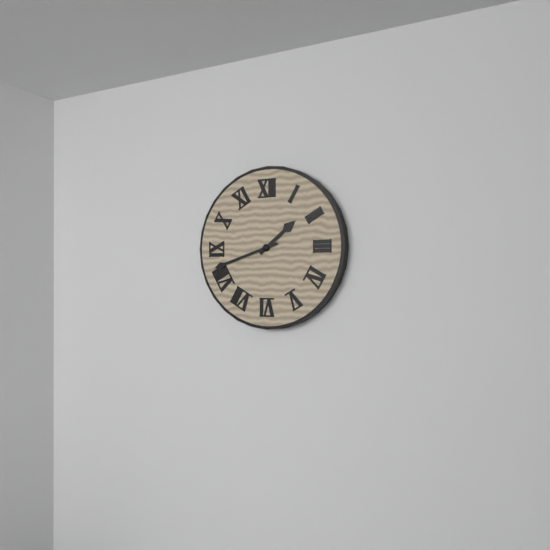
{"hour": 1, "minute": 42}
